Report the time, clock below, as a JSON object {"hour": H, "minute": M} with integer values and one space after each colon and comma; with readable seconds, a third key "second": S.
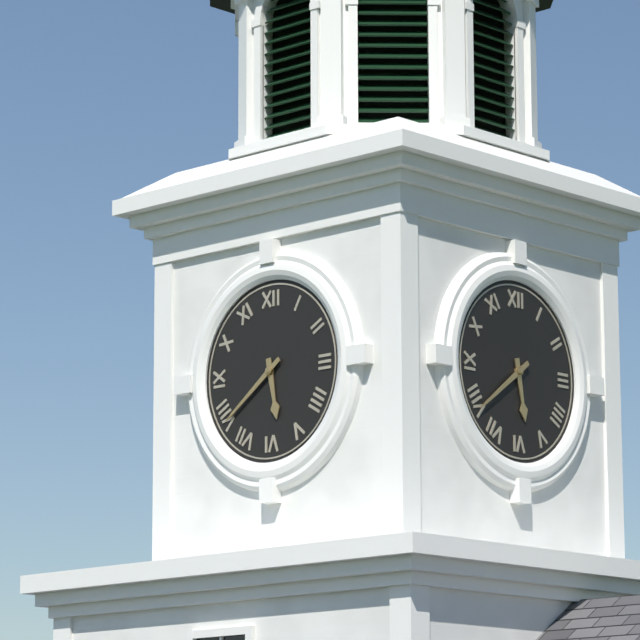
{"hour": 5, "minute": 39}
